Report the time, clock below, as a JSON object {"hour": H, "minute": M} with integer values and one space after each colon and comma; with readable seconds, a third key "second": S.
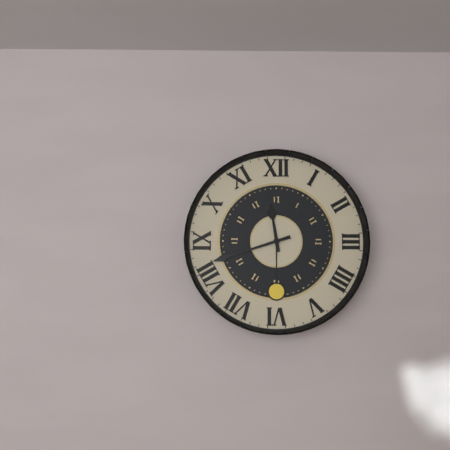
{"hour": 11, "minute": 42}
